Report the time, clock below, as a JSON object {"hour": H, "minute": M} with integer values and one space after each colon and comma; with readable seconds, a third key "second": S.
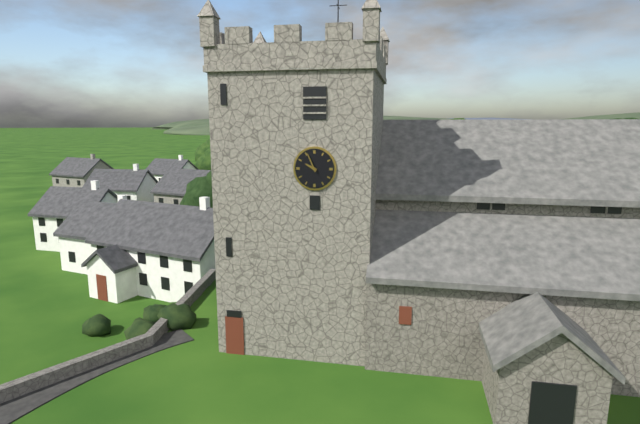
{"hour": 9, "minute": 56}
